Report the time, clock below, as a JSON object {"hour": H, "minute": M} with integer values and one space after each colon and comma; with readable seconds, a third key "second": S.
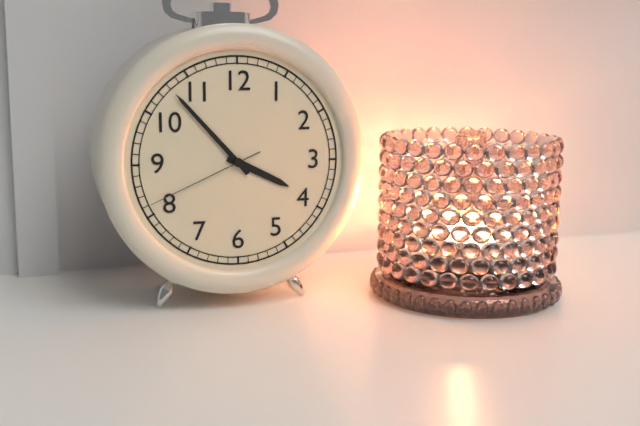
{"hour": 3, "minute": 53, "second": 41}
